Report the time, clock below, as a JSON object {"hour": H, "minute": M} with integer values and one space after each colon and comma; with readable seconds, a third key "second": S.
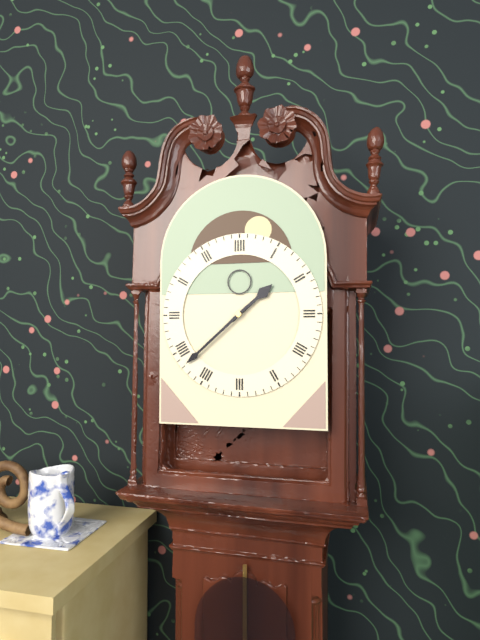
{"hour": 1, "minute": 38}
